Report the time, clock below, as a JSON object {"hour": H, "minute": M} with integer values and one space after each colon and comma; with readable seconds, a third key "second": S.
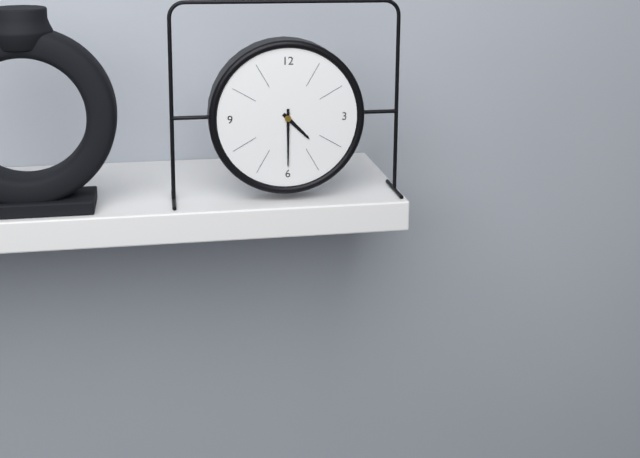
{"hour": 4, "minute": 30}
